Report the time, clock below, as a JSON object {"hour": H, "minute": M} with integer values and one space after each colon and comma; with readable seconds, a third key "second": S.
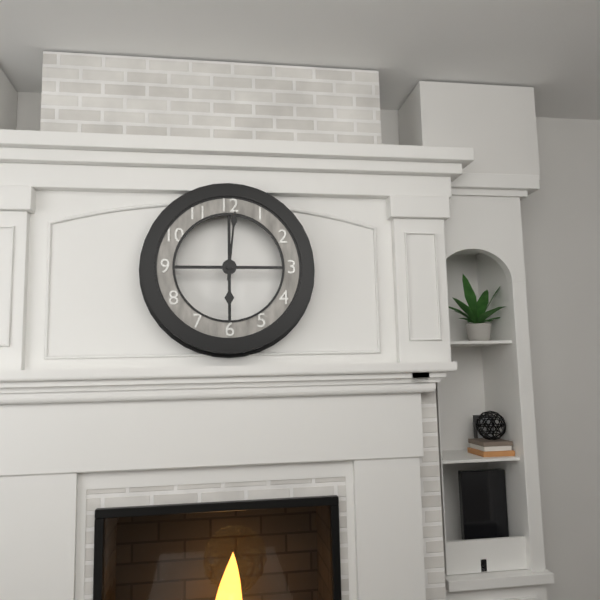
{"hour": 6, "minute": 1}
